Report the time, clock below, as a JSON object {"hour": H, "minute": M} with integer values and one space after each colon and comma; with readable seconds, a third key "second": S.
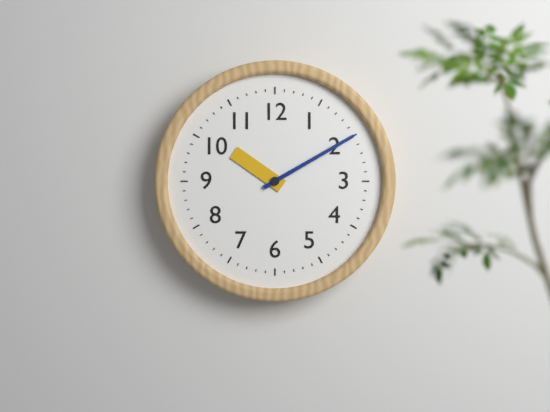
{"hour": 10, "minute": 10}
